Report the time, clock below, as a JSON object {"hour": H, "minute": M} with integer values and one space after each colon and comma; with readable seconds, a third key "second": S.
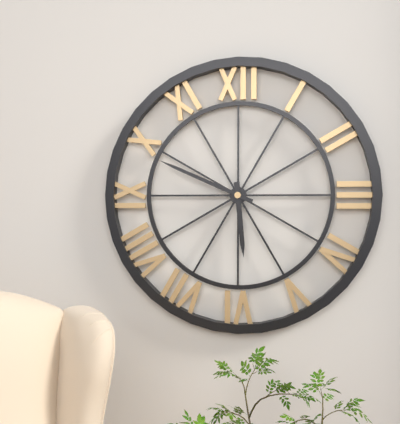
{"hour": 5, "minute": 49}
